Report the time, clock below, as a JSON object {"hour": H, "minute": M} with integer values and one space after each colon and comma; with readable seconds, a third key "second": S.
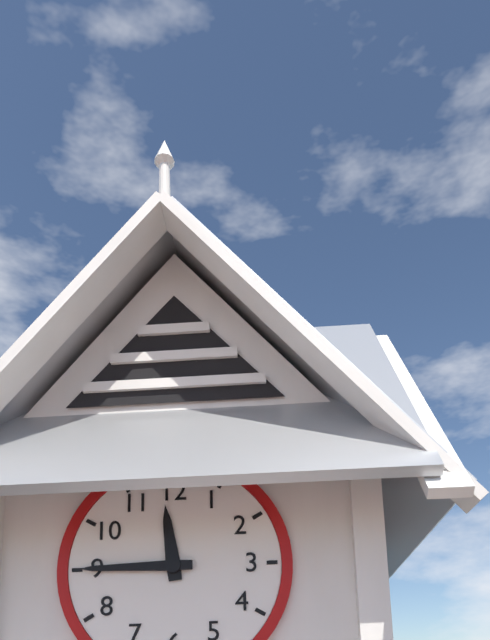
{"hour": 11, "minute": 45}
